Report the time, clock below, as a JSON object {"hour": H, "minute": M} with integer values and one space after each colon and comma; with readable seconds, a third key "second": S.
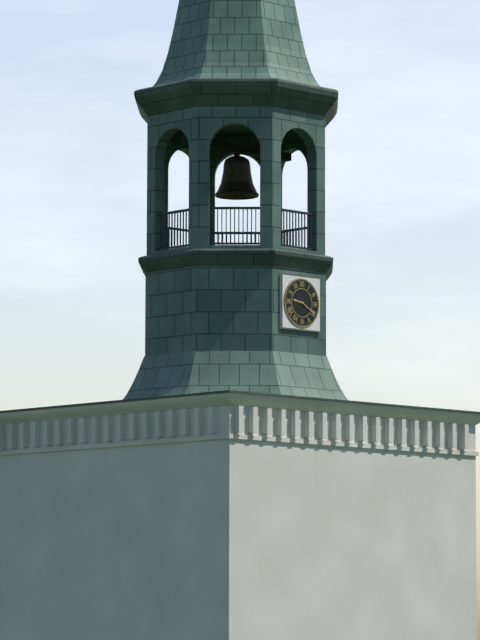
{"hour": 9, "minute": 20}
